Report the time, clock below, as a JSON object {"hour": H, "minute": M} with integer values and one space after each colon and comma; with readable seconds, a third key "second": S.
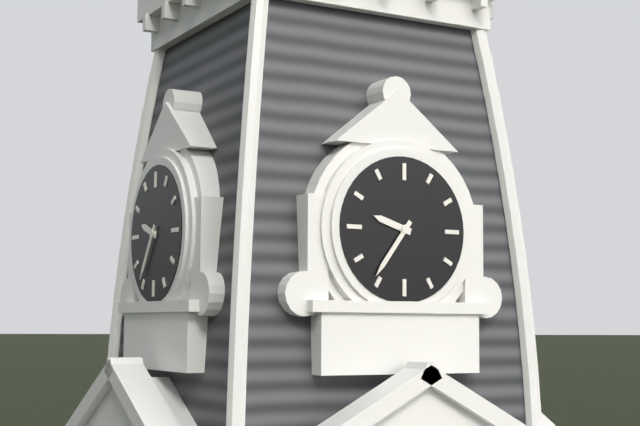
{"hour": 9, "minute": 36}
